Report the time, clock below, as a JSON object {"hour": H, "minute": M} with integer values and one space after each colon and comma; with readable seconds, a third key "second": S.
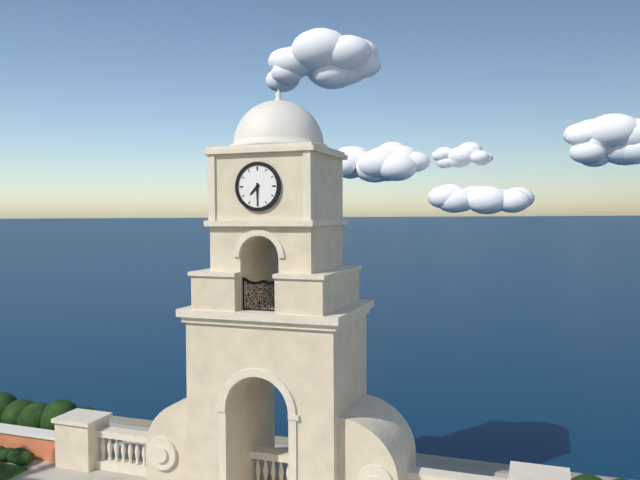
{"hour": 7, "minute": 30}
